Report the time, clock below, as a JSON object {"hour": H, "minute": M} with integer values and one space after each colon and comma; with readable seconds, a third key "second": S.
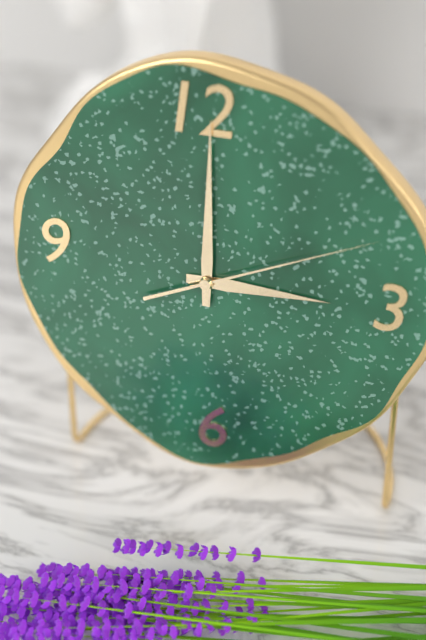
{"hour": 3, "minute": 0, "second": 11}
